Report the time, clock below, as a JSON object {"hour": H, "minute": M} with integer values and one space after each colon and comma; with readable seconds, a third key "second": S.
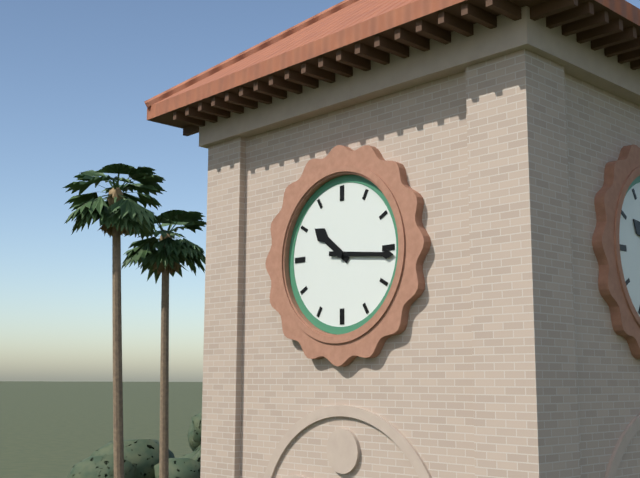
{"hour": 10, "minute": 16}
